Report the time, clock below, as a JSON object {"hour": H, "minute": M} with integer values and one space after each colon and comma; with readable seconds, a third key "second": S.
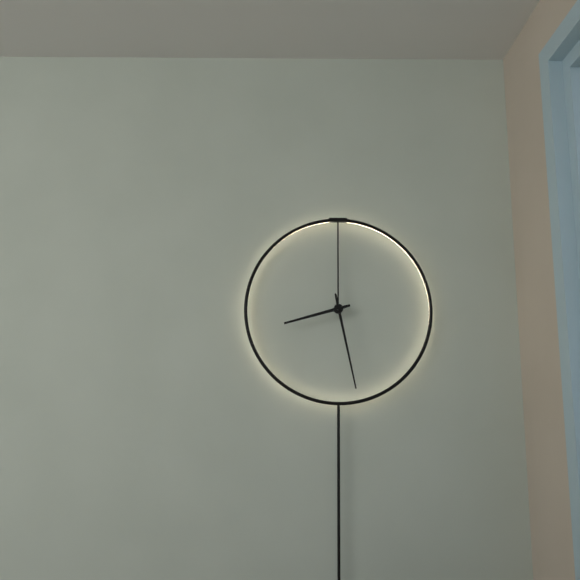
{"hour": 8, "minute": 28}
